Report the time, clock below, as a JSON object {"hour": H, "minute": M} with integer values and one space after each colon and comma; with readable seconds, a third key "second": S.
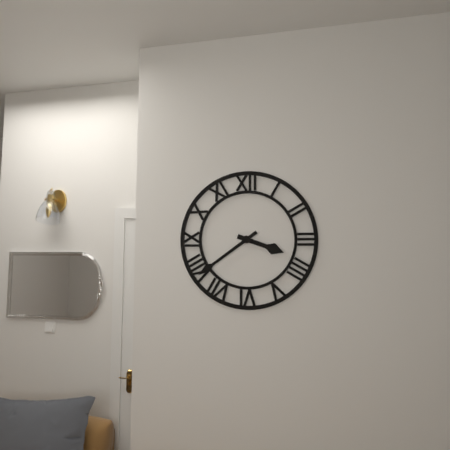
{"hour": 3, "minute": 39}
